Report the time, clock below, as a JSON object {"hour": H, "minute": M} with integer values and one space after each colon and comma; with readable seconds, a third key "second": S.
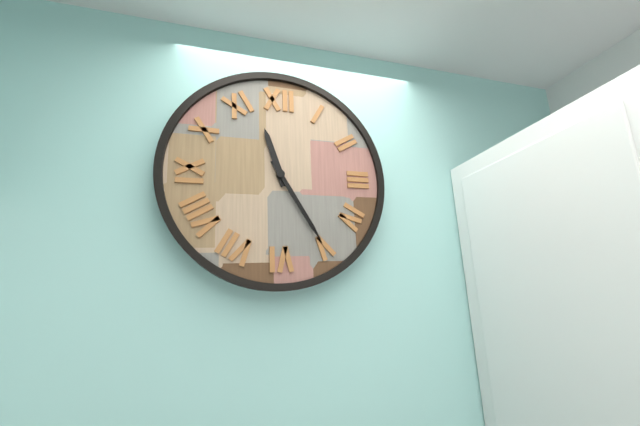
{"hour": 11, "minute": 25}
